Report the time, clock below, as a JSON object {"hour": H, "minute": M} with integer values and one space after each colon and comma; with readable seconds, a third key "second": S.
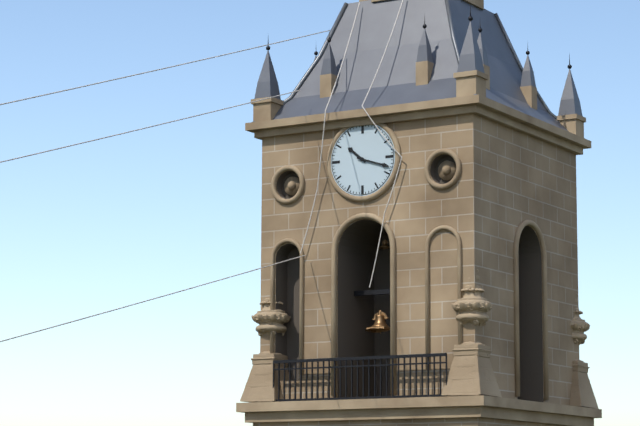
{"hour": 10, "minute": 18}
